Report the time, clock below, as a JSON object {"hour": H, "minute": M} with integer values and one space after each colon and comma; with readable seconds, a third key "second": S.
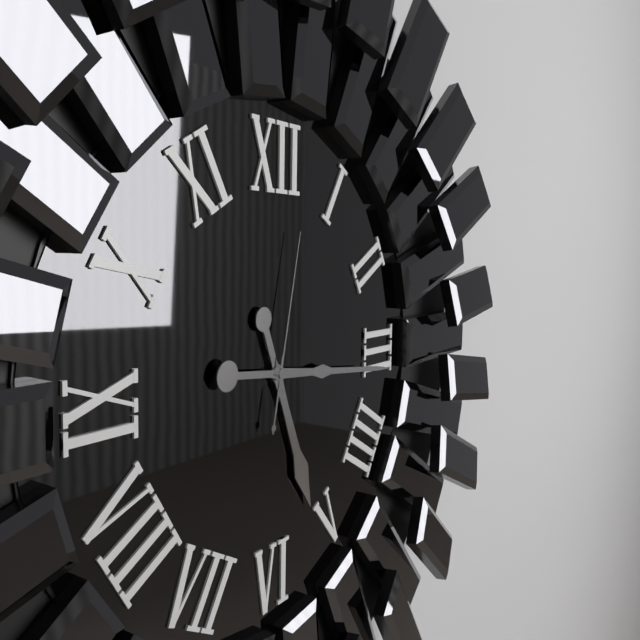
{"hour": 5, "minute": 16, "second": 2}
